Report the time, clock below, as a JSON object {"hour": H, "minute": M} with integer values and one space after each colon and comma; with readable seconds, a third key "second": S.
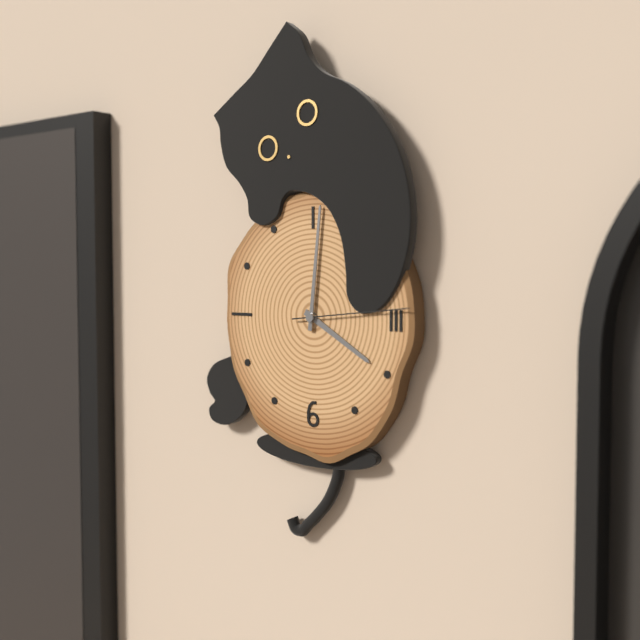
{"hour": 4, "minute": 1, "second": 14}
